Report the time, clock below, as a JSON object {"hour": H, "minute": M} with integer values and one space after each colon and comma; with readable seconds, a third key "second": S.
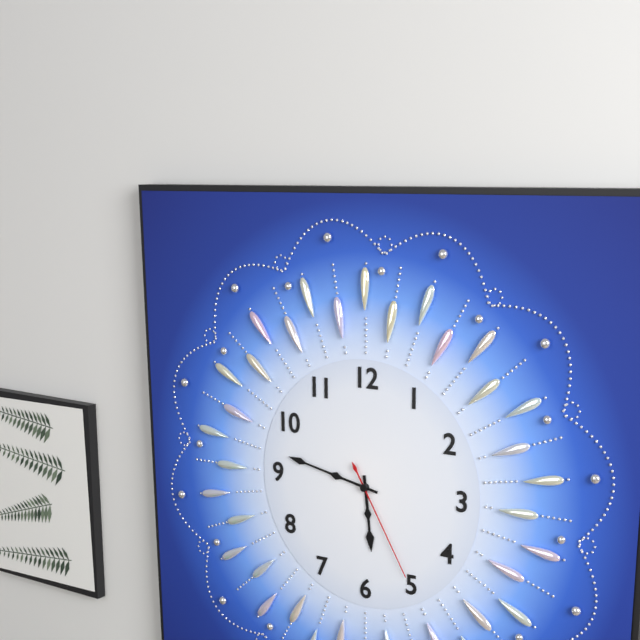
{"hour": 5, "minute": 47, "second": 25}
